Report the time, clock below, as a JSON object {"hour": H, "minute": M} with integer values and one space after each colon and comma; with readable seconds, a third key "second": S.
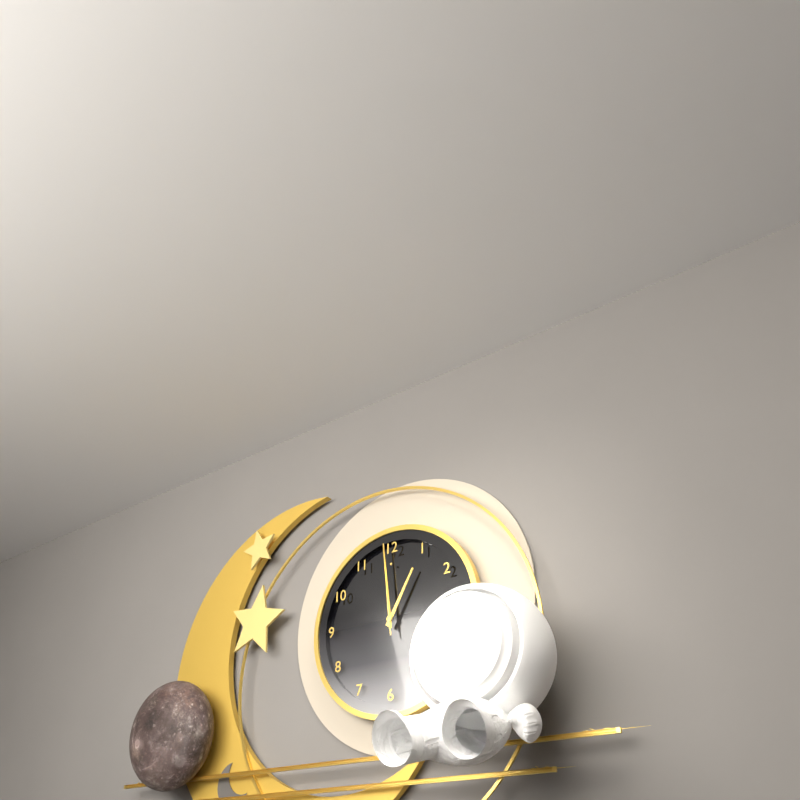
{"hour": 12, "minute": 59, "second": 59}
